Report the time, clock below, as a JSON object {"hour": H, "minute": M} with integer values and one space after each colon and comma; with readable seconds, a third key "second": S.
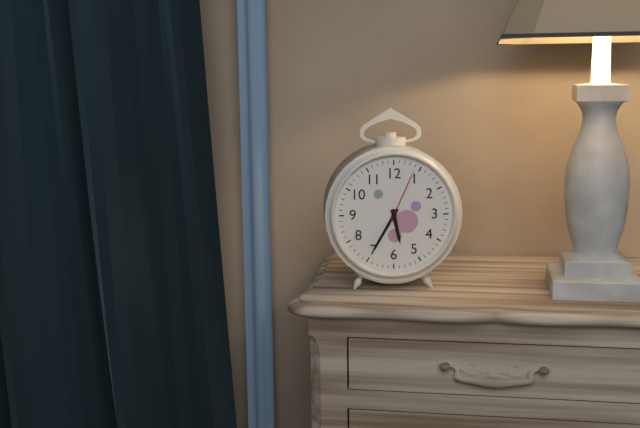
{"hour": 5, "minute": 35, "second": 4}
